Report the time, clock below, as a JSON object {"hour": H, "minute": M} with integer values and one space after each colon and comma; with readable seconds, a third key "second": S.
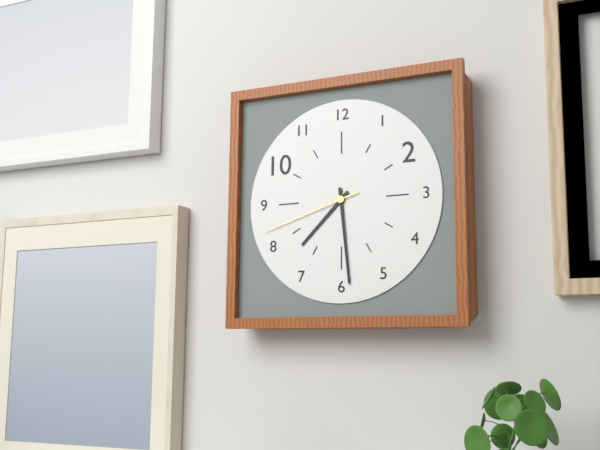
{"hour": 7, "minute": 29, "second": 42}
